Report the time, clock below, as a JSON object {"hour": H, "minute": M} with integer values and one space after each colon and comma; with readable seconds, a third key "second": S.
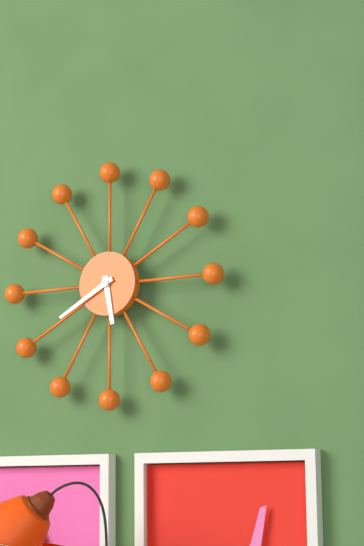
{"hour": 5, "minute": 40}
